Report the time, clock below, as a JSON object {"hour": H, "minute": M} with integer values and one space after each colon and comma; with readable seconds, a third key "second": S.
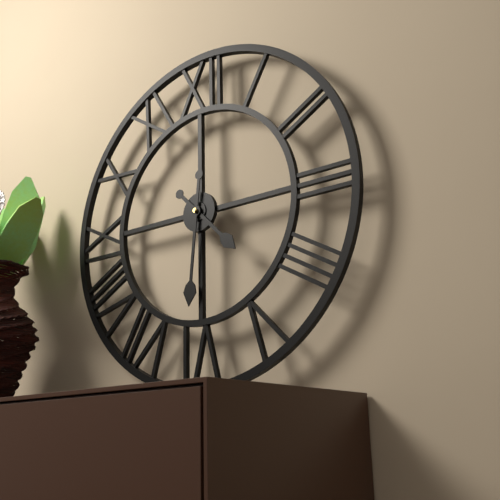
{"hour": 4, "minute": 31}
